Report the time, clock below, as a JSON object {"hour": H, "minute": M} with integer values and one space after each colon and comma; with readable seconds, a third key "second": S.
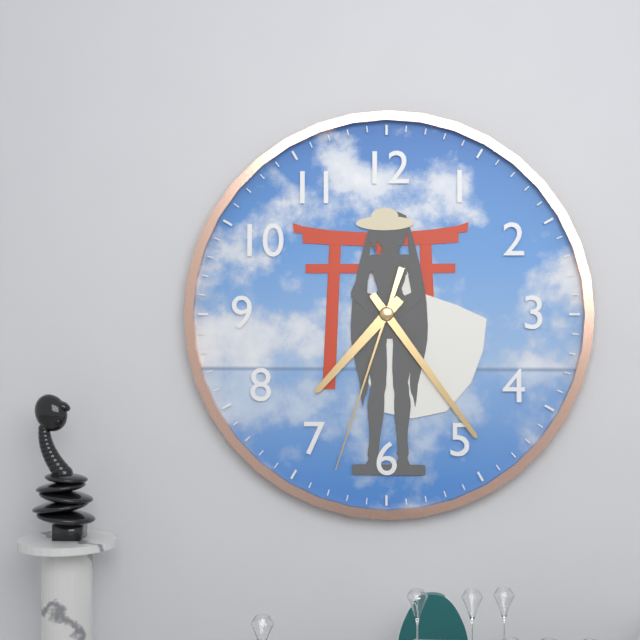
{"hour": 7, "minute": 24, "second": 33}
